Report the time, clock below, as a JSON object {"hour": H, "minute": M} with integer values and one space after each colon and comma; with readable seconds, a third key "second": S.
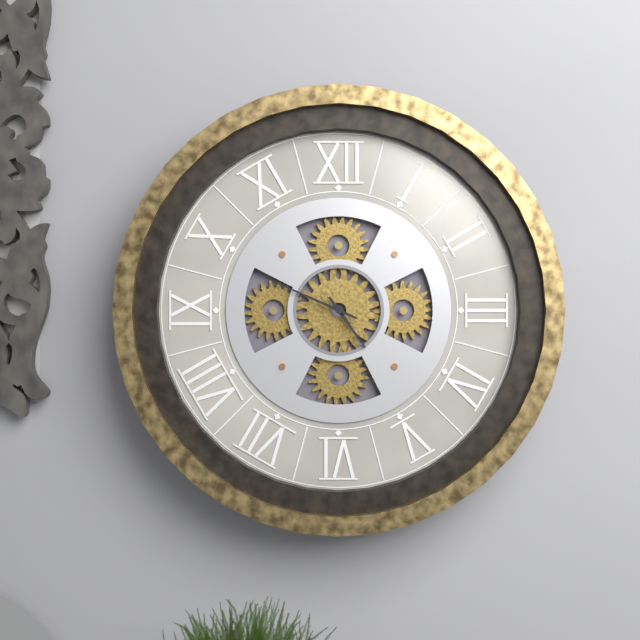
{"hour": 4, "minute": 49}
